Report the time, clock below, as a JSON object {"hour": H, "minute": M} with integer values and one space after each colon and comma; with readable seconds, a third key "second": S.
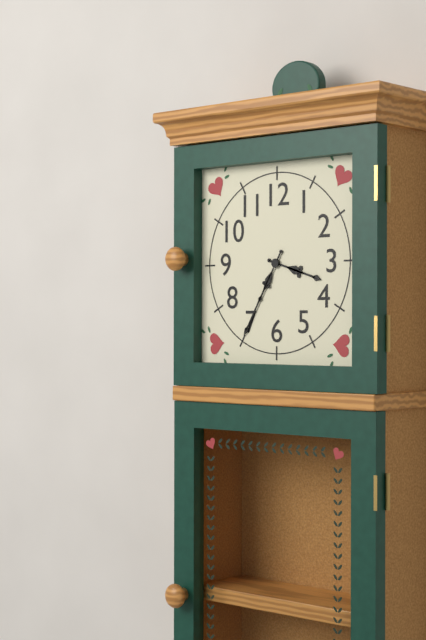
{"hour": 3, "minute": 35}
